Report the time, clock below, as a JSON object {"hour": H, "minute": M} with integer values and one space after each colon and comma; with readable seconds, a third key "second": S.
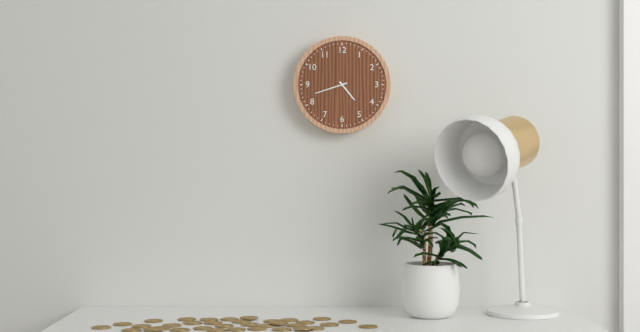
{"hour": 4, "minute": 42}
